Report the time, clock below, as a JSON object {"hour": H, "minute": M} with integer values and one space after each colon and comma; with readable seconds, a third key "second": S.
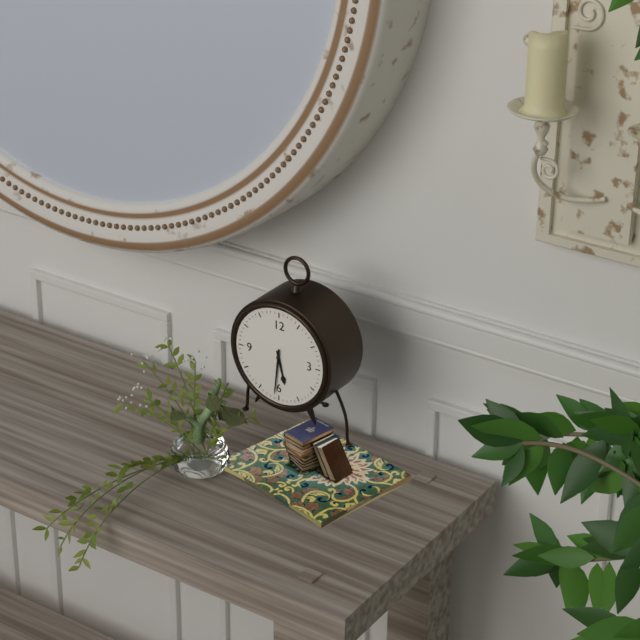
{"hour": 5, "minute": 31}
